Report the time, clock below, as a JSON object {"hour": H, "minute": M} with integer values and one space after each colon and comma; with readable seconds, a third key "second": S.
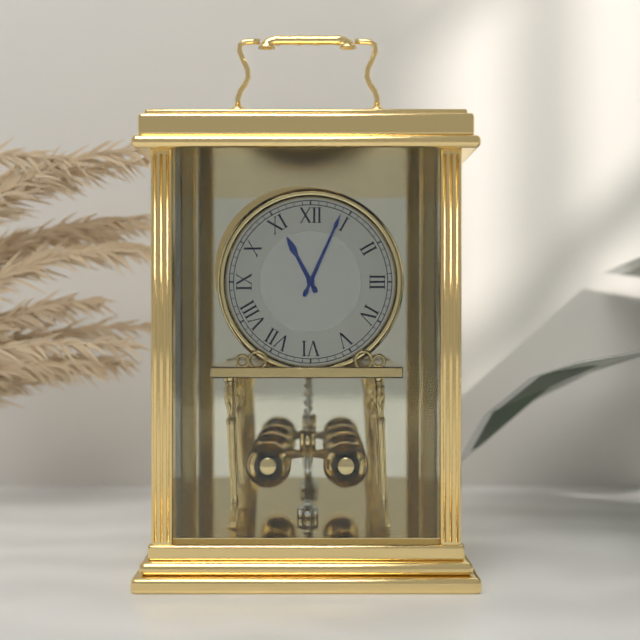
{"hour": 11, "minute": 4}
